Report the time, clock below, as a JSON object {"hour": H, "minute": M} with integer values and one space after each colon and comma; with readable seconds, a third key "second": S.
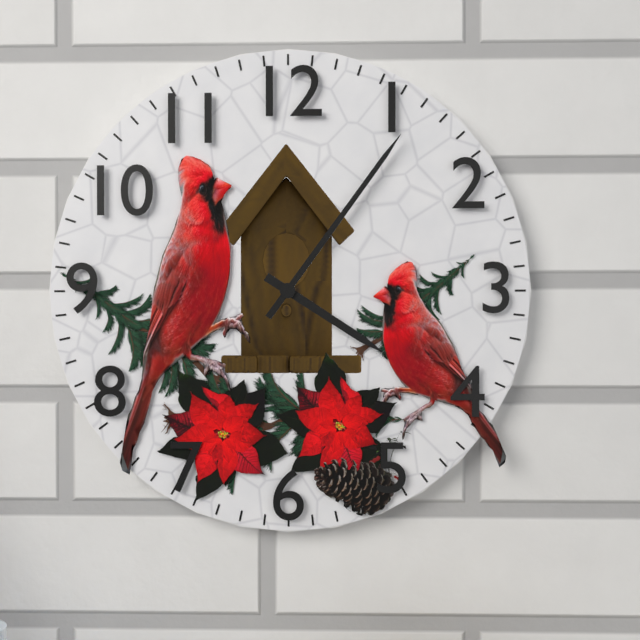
{"hour": 4, "minute": 6}
